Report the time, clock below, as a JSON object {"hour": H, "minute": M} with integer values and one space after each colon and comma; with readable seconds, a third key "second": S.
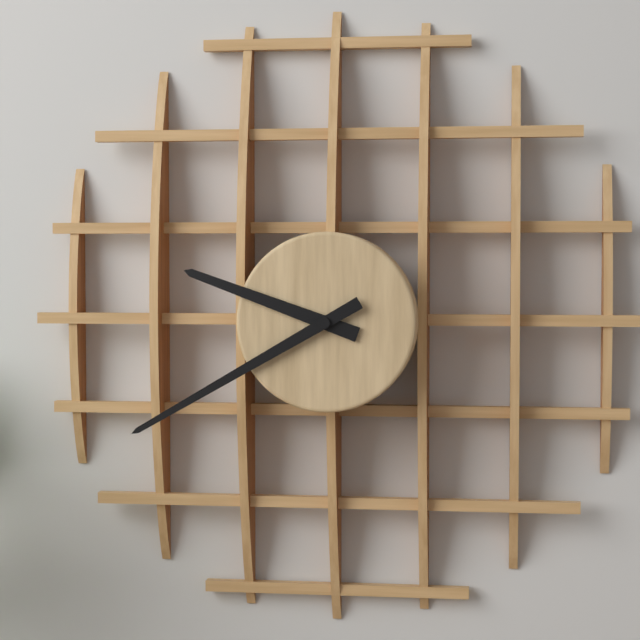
{"hour": 9, "minute": 40}
